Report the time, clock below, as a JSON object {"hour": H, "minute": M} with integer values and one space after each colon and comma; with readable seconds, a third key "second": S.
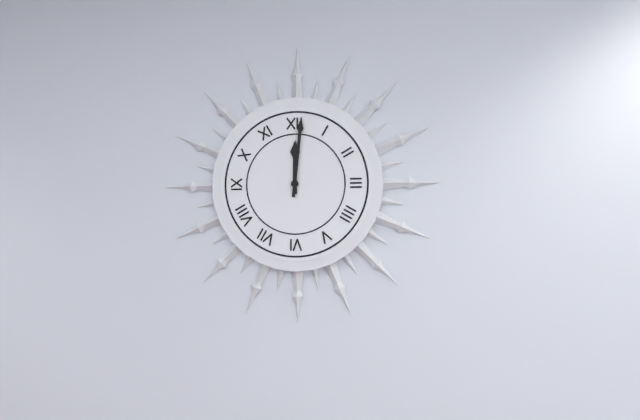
{"hour": 12, "minute": 1}
